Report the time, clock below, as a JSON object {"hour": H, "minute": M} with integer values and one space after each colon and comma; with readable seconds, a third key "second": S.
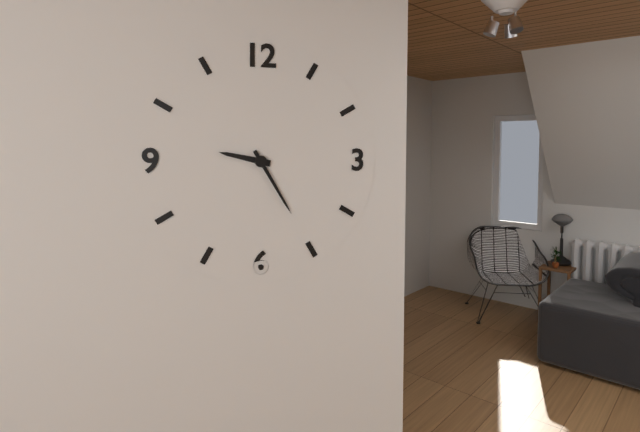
{"hour": 9, "minute": 25}
